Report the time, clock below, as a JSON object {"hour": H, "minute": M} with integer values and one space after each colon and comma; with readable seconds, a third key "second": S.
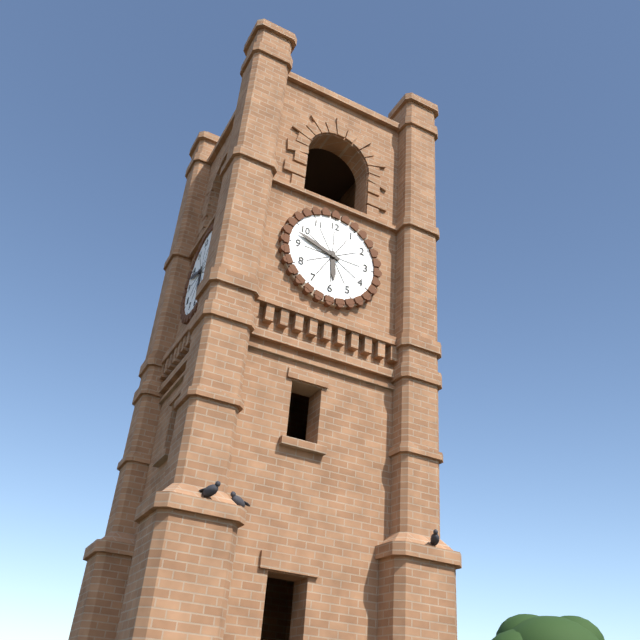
{"hour": 5, "minute": 48}
